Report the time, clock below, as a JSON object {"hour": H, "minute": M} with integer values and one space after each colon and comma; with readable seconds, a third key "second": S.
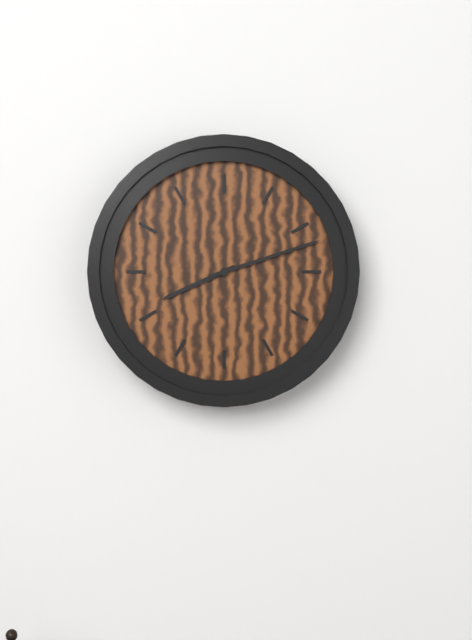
{"hour": 8, "minute": 12}
